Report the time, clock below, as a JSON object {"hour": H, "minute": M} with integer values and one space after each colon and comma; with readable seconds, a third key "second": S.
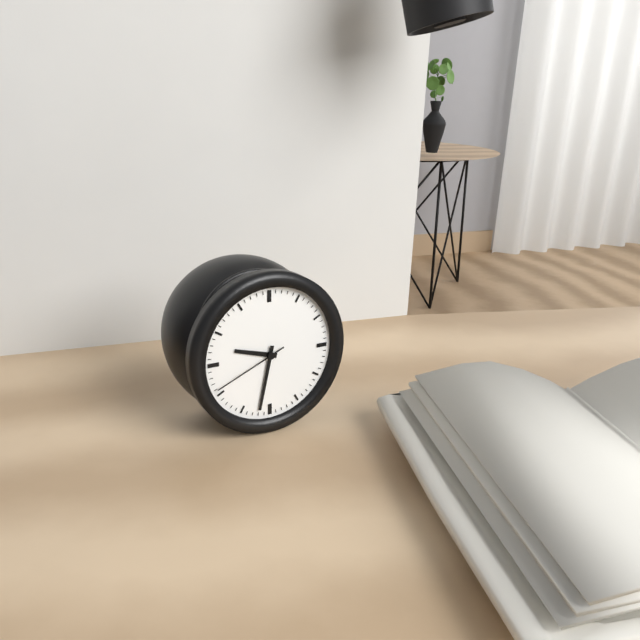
{"hour": 9, "minute": 32, "second": 41}
